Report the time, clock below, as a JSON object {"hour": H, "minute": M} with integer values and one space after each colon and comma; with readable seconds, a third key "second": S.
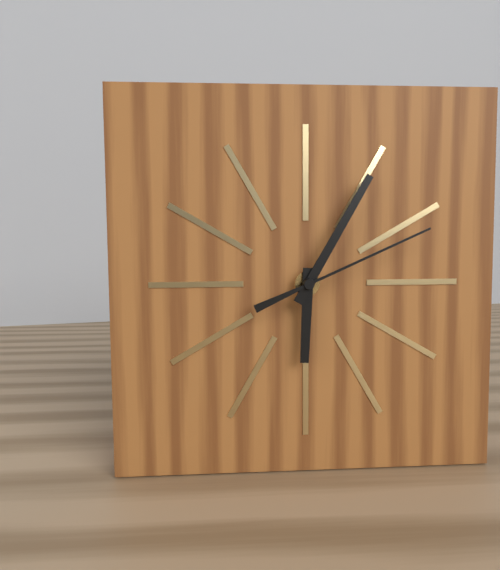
{"hour": 6, "minute": 5, "second": 11}
